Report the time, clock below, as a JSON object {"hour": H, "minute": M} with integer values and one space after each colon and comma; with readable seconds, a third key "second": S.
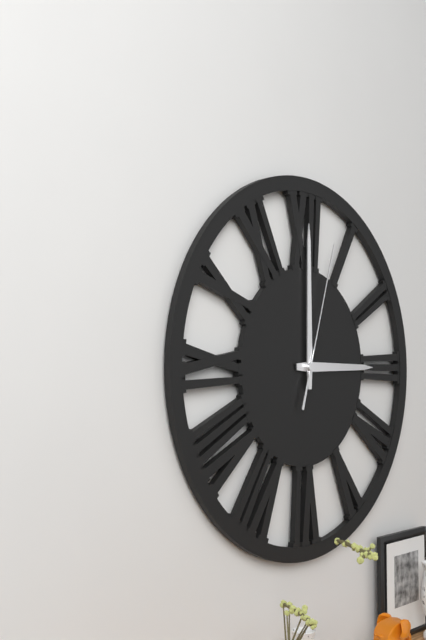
{"hour": 3, "minute": 0, "second": 3}
